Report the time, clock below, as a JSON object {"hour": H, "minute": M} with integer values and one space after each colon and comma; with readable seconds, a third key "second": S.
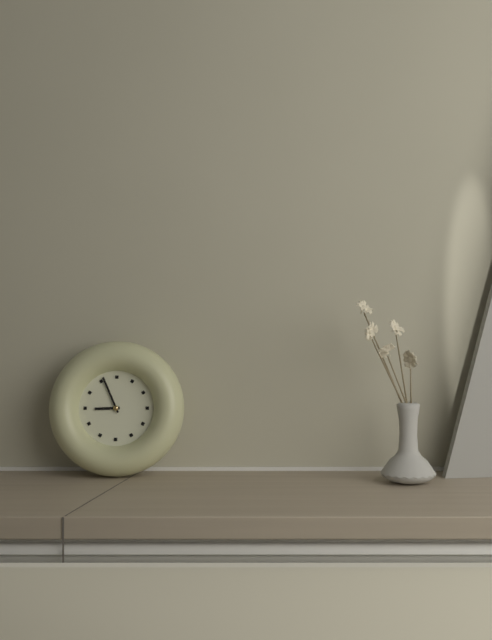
{"hour": 8, "minute": 56}
